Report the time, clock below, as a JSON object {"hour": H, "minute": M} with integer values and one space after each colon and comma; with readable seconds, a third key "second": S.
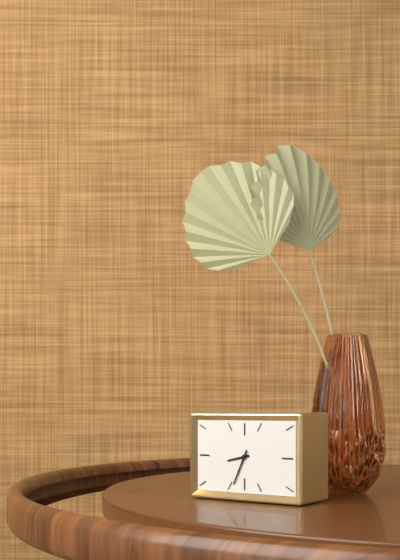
{"hour": 8, "minute": 34}
